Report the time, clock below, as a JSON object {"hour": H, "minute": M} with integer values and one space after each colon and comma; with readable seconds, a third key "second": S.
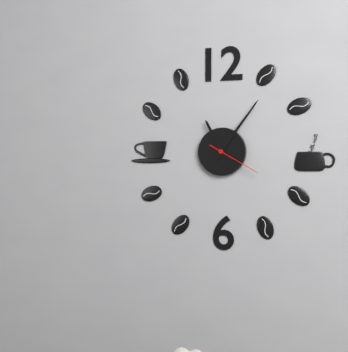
{"hour": 11, "minute": 6, "second": 20}
